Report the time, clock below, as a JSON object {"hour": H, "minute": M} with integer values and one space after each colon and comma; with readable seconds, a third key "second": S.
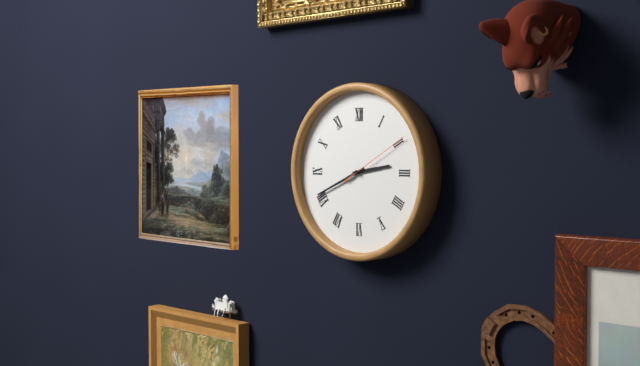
{"hour": 2, "minute": 41, "second": 10}
